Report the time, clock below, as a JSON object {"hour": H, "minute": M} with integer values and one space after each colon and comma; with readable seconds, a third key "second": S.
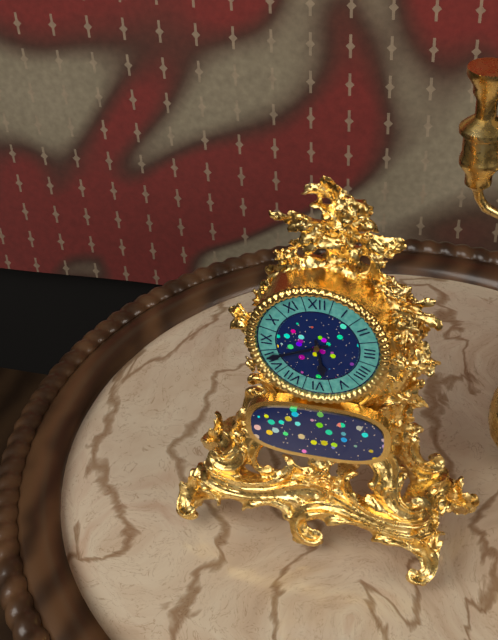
{"hour": 5, "minute": 41}
